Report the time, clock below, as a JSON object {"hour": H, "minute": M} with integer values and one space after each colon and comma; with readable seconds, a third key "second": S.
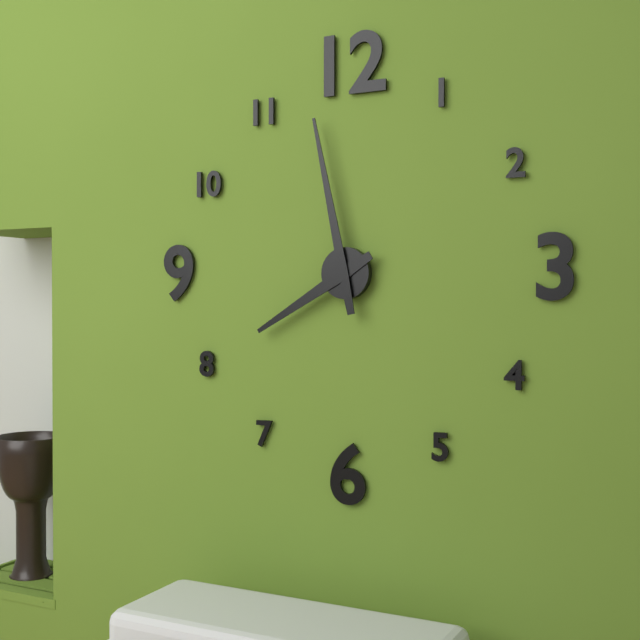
{"hour": 7, "minute": 58}
